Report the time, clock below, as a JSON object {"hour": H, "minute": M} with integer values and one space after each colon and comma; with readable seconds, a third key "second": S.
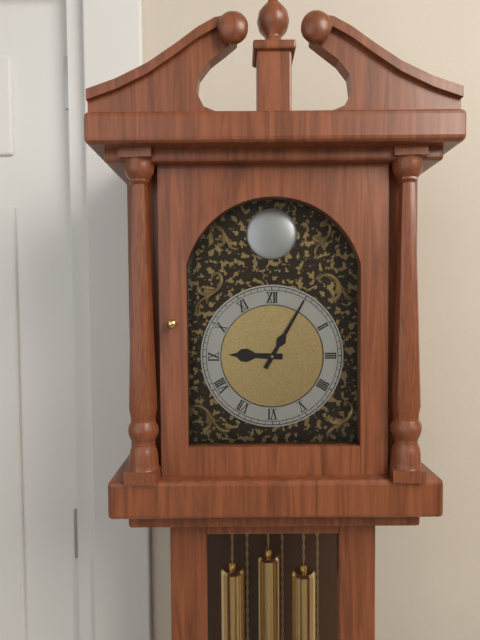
{"hour": 9, "minute": 5}
